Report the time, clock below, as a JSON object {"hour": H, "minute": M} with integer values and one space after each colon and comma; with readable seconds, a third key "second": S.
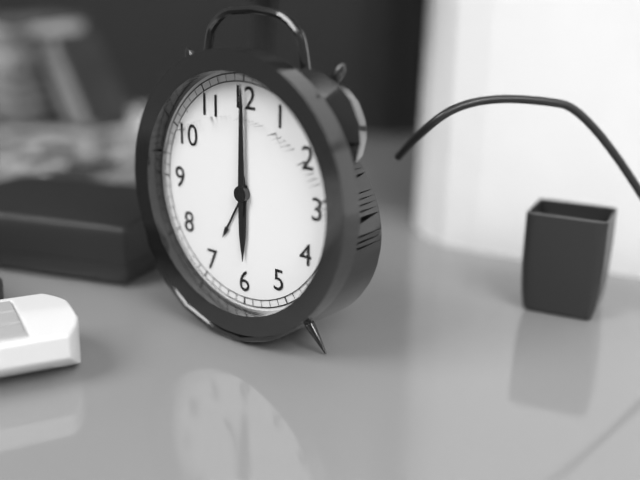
{"hour": 6, "minute": 0}
